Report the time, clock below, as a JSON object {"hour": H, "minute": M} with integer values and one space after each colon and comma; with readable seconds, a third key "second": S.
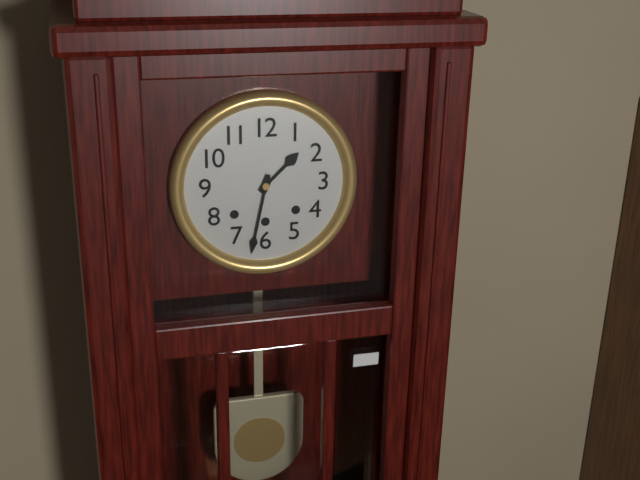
{"hour": 1, "minute": 32}
